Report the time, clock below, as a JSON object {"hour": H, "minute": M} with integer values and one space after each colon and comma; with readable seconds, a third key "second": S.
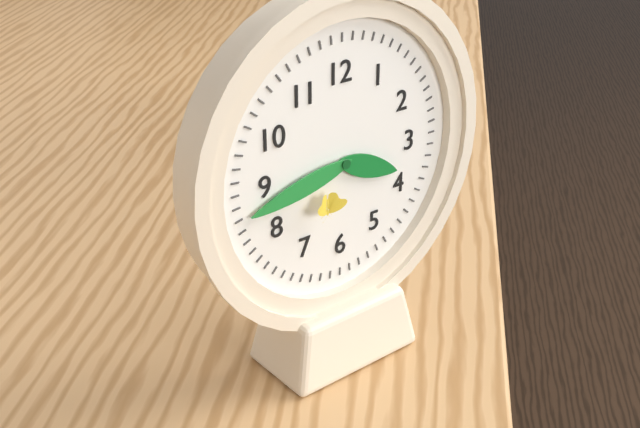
{"hour": 3, "minute": 43}
